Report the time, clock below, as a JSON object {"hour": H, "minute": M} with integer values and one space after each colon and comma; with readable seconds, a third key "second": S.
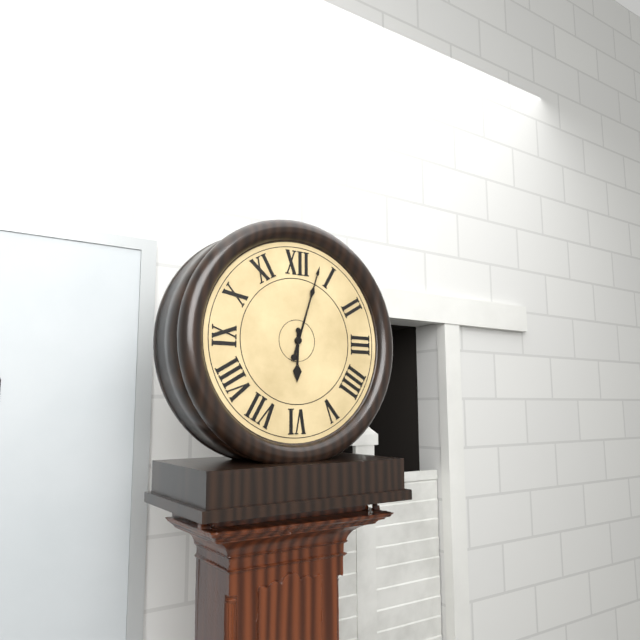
{"hour": 6, "minute": 3}
